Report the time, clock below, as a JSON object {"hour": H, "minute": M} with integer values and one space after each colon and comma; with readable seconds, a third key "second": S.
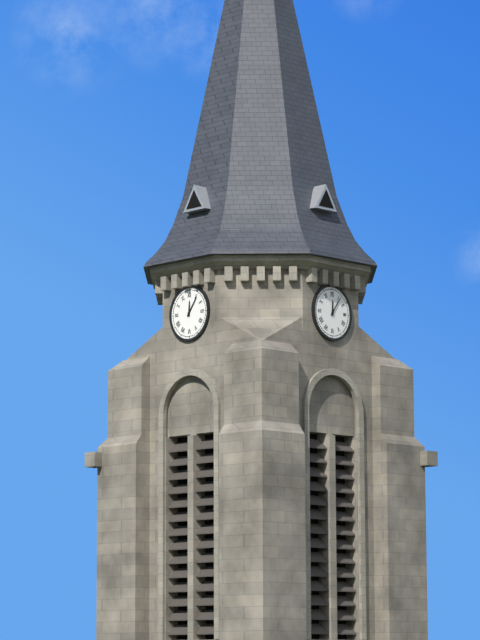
{"hour": 12, "minute": 6}
